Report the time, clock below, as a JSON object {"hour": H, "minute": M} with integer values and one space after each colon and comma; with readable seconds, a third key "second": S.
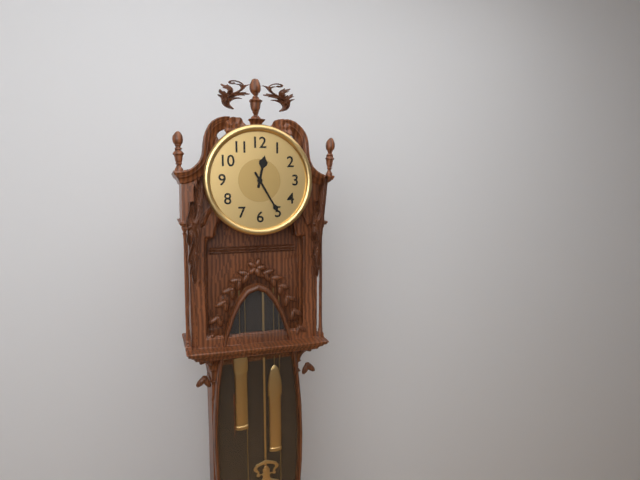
{"hour": 12, "minute": 25}
